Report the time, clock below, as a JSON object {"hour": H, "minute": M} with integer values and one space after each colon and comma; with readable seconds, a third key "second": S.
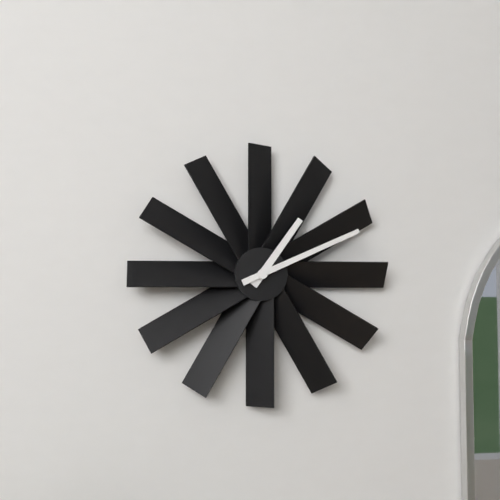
{"hour": 1, "minute": 11}
